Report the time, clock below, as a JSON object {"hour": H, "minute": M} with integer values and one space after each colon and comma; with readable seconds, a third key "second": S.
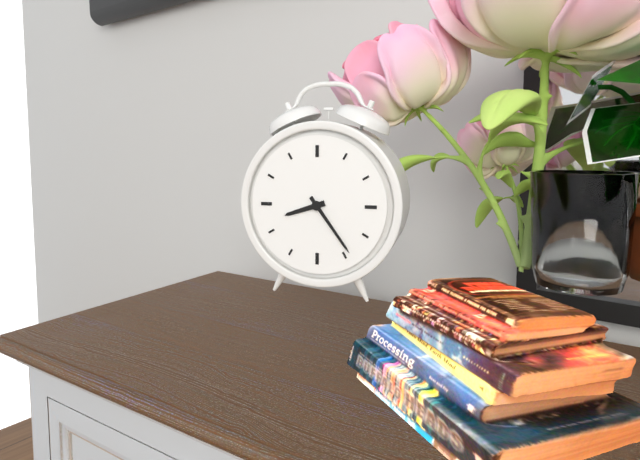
{"hour": 8, "minute": 24}
